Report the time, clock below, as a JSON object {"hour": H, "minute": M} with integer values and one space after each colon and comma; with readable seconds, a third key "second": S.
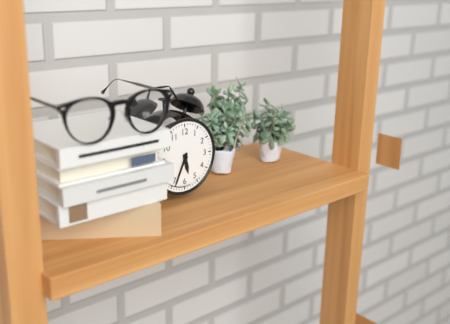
{"hour": 5, "minute": 34}
